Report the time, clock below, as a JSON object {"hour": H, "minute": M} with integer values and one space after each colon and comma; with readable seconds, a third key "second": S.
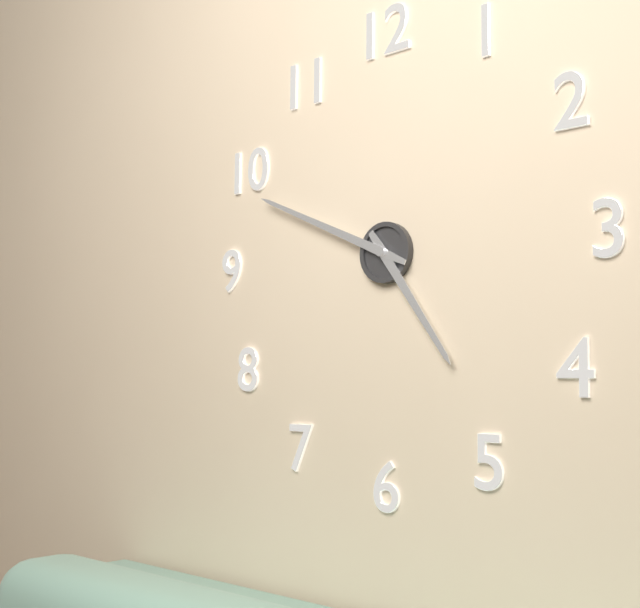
{"hour": 4, "minute": 49}
